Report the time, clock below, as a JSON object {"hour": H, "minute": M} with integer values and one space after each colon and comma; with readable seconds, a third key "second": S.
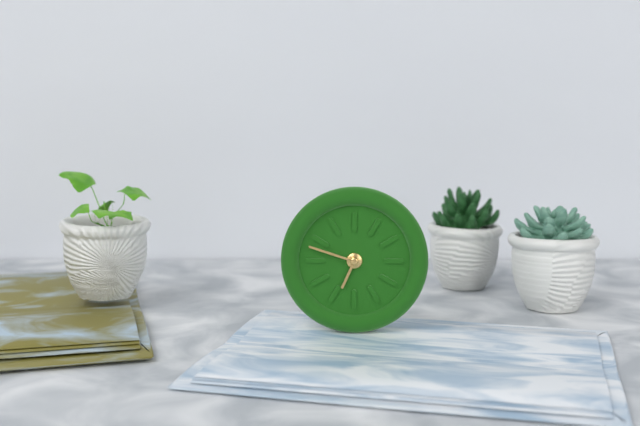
{"hour": 6, "minute": 48}
